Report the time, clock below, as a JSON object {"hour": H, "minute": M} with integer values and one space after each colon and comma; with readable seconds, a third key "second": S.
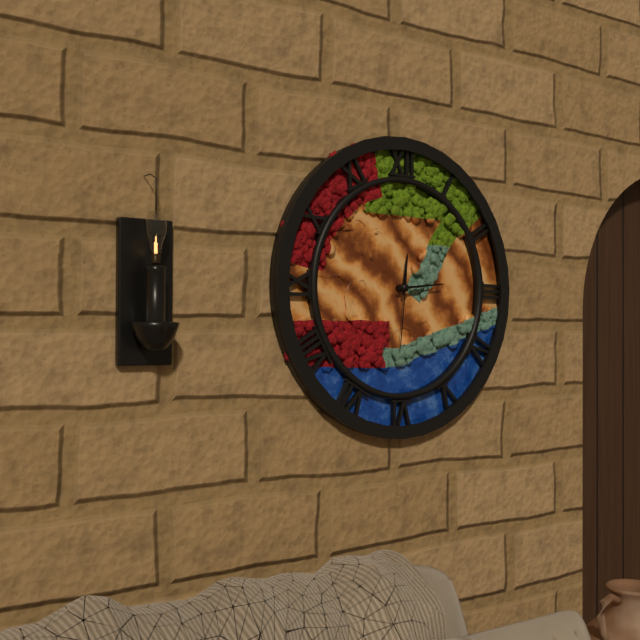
{"hour": 12, "minute": 14, "second": 31}
